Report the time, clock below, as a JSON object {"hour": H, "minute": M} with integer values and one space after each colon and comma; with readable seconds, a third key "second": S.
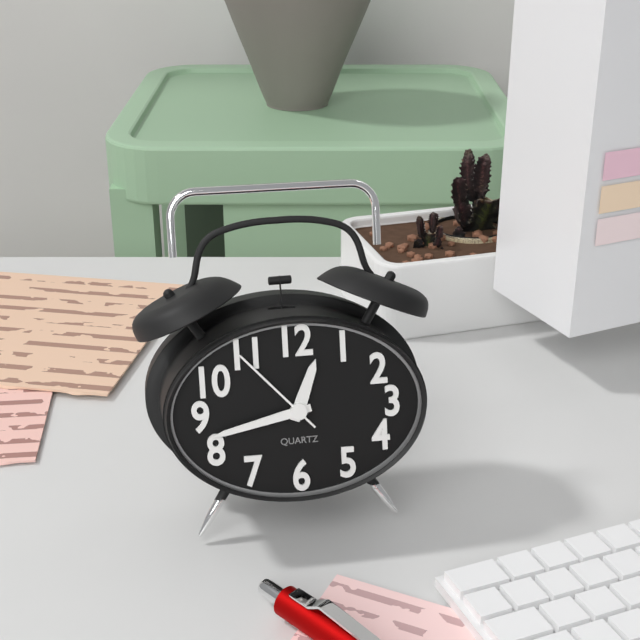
{"hour": 12, "minute": 43, "second": 53}
